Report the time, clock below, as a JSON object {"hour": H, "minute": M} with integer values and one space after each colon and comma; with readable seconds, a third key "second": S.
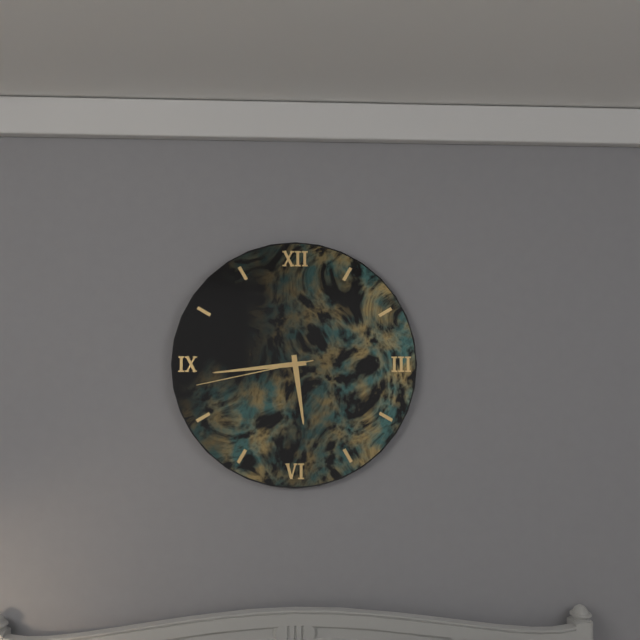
{"hour": 5, "minute": 44, "second": 43}
